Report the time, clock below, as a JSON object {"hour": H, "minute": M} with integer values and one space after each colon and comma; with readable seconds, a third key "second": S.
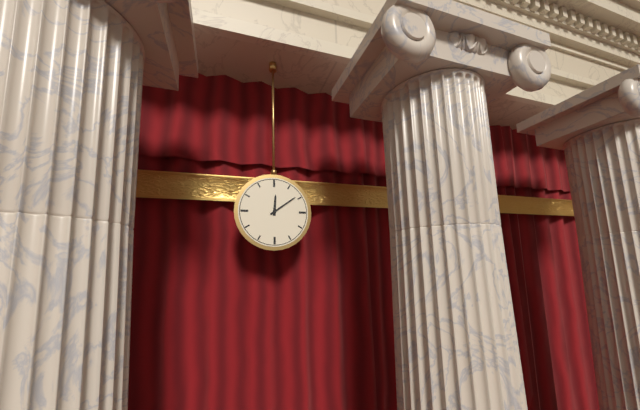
{"hour": 12, "minute": 9}
